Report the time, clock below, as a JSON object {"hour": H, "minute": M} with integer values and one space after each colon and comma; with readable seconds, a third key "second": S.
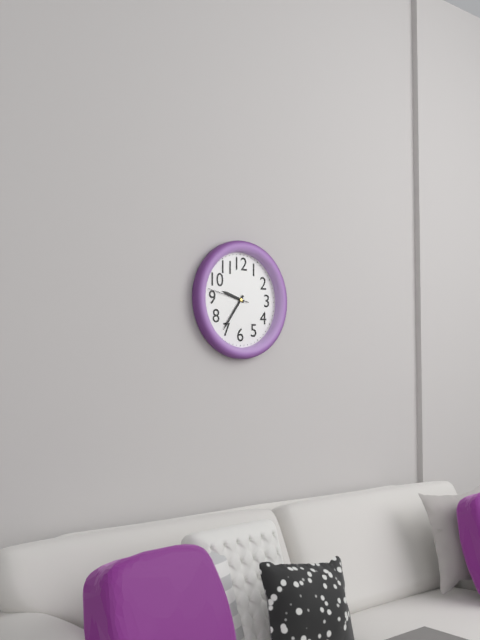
{"hour": 9, "minute": 36}
